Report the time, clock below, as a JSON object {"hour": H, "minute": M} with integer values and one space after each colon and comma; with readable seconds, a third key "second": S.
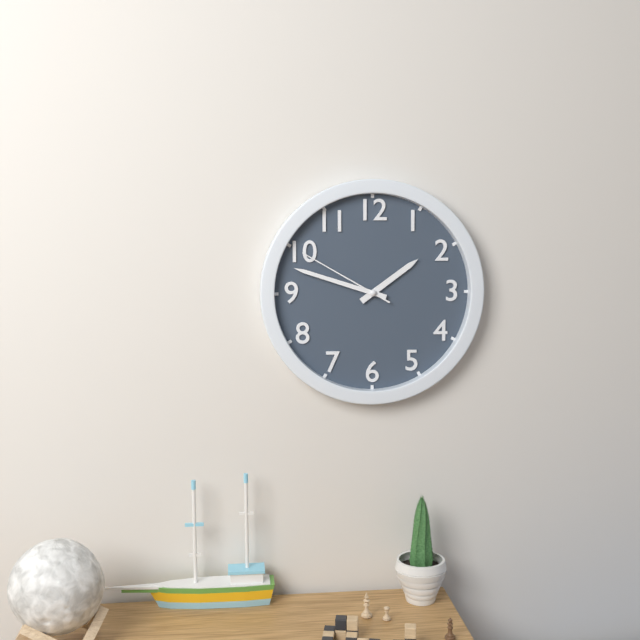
{"hour": 1, "minute": 48, "second": 50}
